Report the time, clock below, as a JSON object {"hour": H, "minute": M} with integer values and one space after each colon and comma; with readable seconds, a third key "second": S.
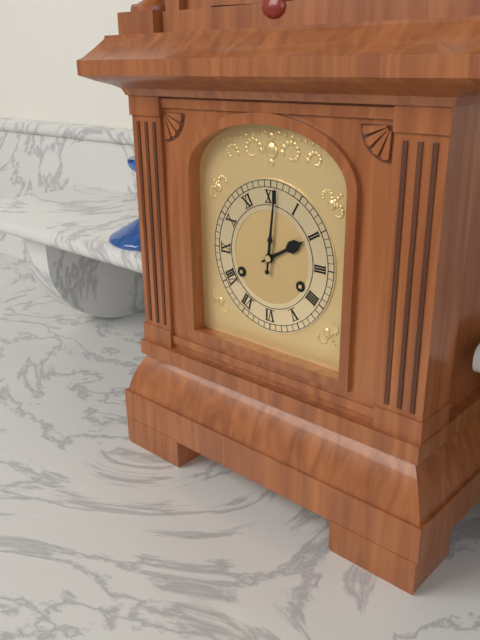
{"hour": 2, "minute": 1}
